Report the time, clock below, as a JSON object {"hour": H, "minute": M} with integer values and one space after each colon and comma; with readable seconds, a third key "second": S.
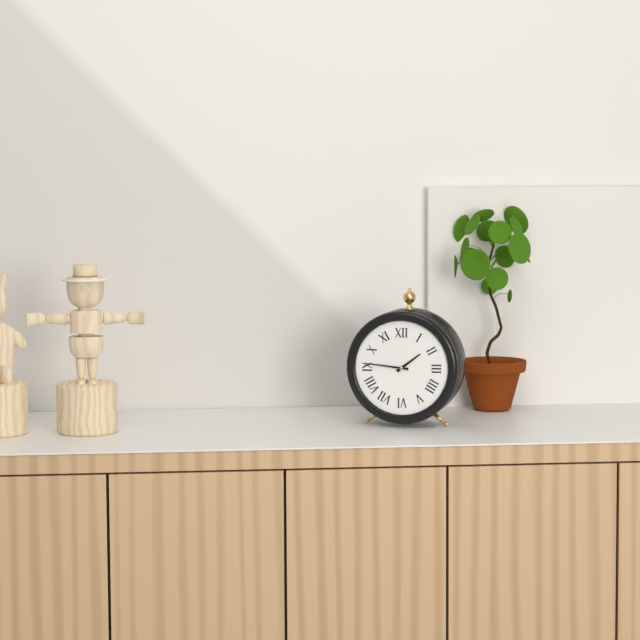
{"hour": 1, "minute": 46}
